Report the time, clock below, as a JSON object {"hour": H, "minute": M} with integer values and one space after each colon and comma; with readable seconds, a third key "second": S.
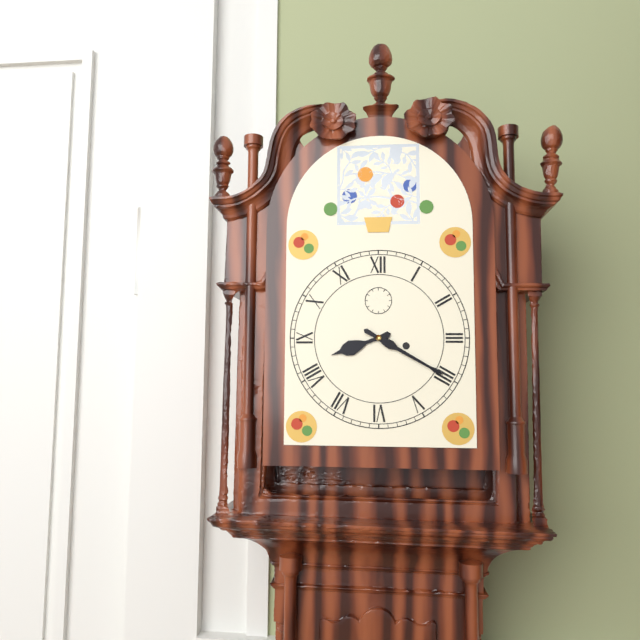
{"hour": 8, "minute": 20}
